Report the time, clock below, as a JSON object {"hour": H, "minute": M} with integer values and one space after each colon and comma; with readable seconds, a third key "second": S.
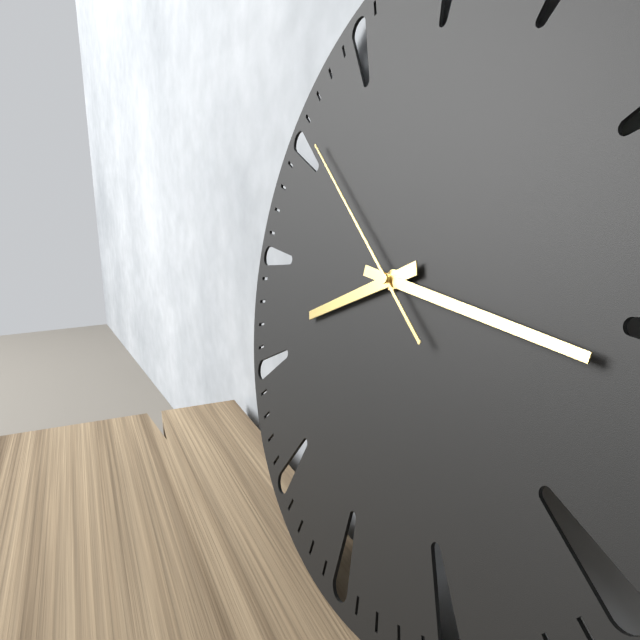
{"hour": 8, "minute": 16, "second": 51}
